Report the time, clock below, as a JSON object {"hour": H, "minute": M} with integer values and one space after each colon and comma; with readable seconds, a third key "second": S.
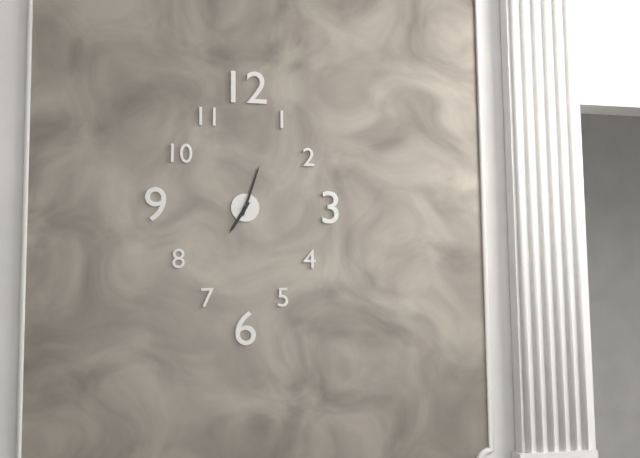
{"hour": 7, "minute": 3}
